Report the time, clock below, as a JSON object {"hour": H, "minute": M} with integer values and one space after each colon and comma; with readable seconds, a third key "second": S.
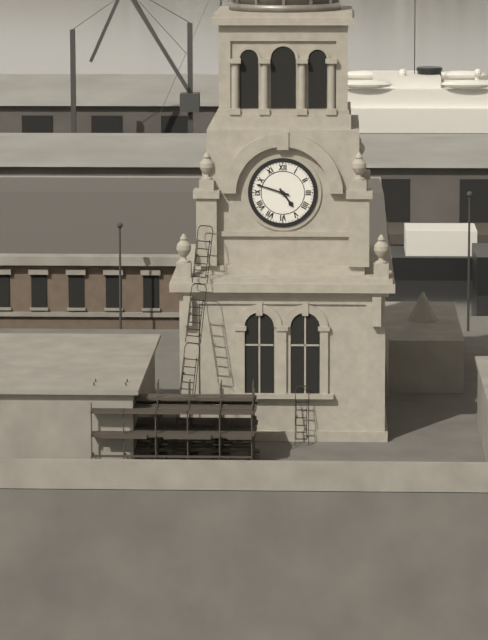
{"hour": 4, "minute": 48}
